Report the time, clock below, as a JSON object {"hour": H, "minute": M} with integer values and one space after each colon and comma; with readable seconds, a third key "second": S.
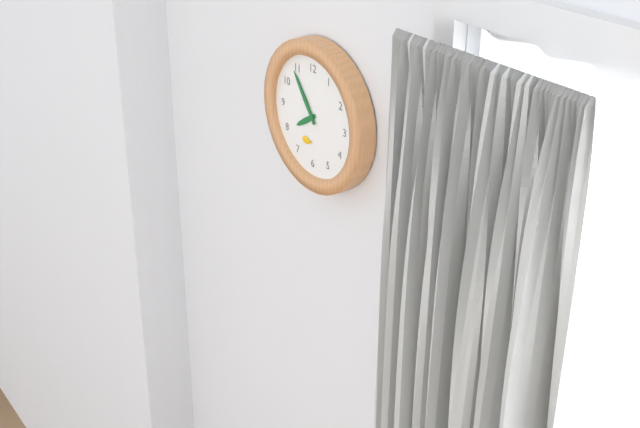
{"hour": 7, "minute": 54}
